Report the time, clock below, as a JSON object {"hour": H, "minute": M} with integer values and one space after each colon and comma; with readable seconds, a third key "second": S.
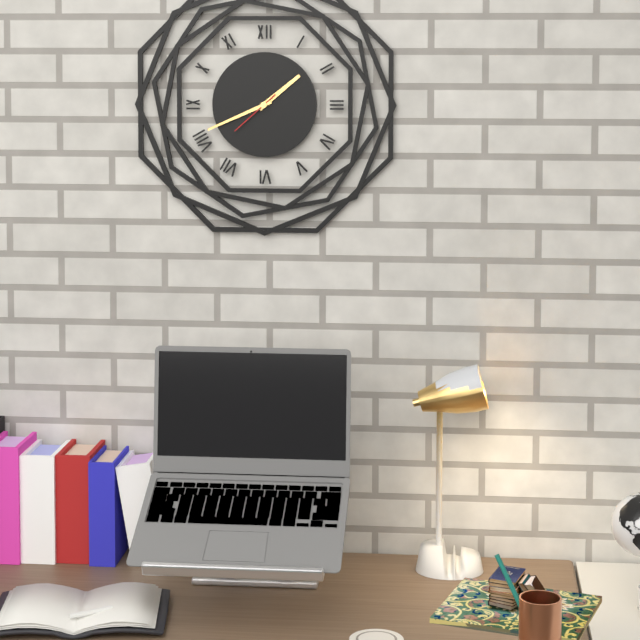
{"hour": 1, "minute": 41, "second": 38}
